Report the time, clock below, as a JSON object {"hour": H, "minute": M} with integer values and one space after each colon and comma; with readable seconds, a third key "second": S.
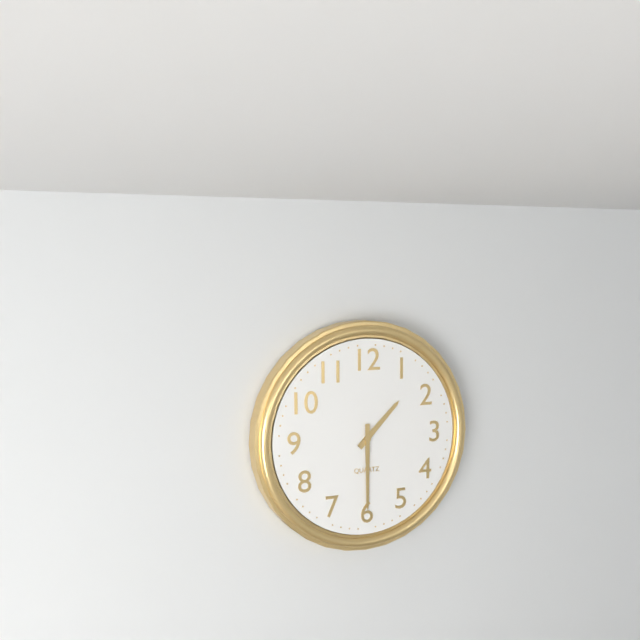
{"hour": 1, "minute": 30}
